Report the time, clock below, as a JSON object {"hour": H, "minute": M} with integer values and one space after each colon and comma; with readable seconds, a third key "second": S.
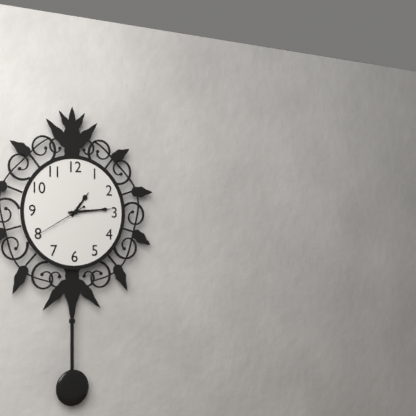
{"hour": 1, "minute": 14, "second": 40}
